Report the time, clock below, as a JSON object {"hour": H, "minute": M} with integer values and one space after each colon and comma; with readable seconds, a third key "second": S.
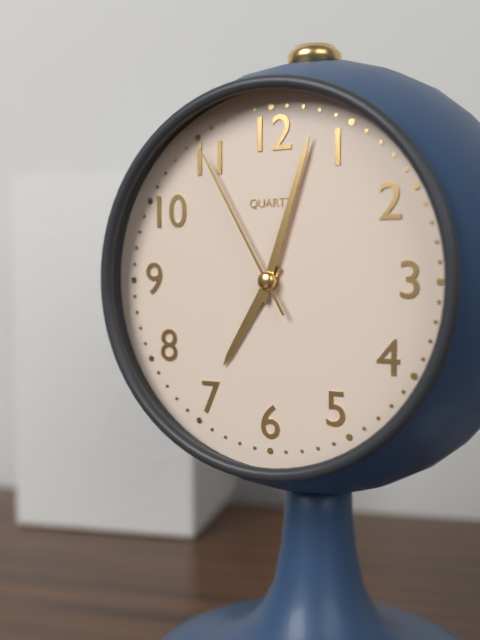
{"hour": 7, "minute": 3, "second": 55}
